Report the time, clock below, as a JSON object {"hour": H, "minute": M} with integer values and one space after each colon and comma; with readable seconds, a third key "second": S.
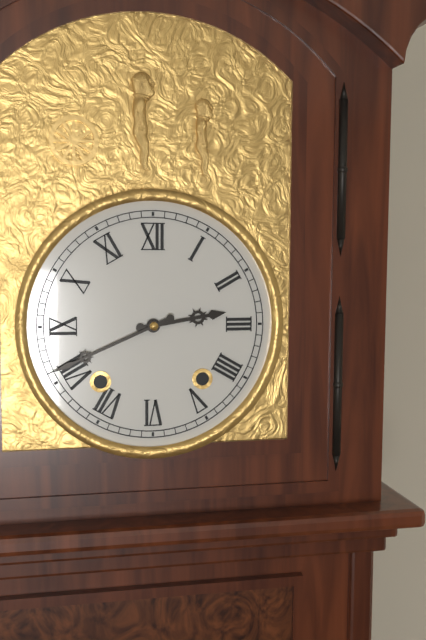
{"hour": 2, "minute": 41}
